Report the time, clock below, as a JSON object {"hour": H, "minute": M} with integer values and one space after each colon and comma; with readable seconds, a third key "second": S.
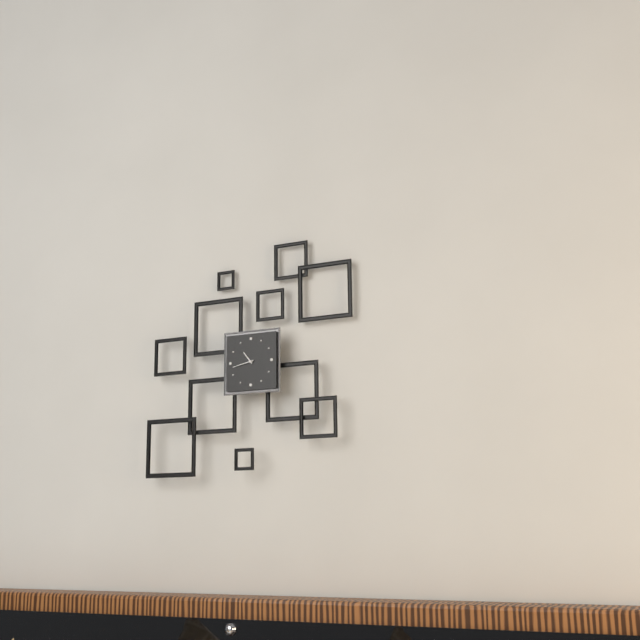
{"hour": 10, "minute": 43}
